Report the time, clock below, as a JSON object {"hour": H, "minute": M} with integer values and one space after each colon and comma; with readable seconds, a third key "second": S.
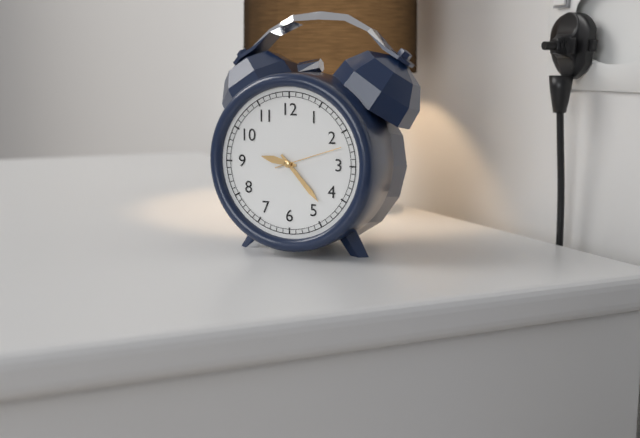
{"hour": 9, "minute": 23, "second": 12}
